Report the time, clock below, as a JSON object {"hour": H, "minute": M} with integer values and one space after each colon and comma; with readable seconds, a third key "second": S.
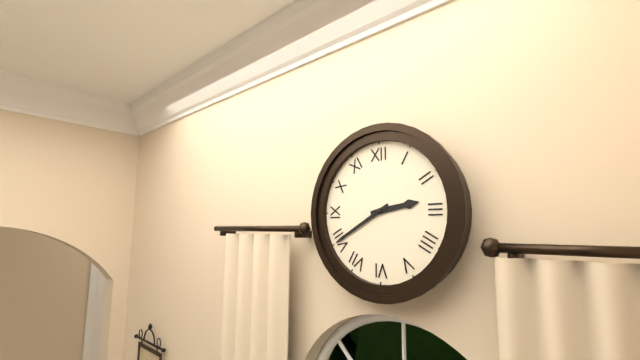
{"hour": 2, "minute": 40}
